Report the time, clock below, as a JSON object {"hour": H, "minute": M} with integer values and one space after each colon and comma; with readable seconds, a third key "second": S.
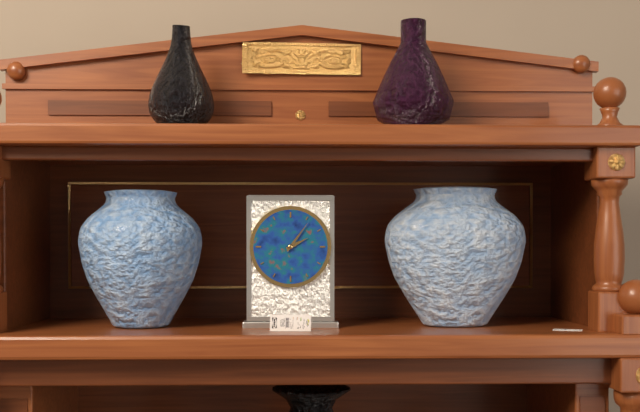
{"hour": 2, "minute": 6}
